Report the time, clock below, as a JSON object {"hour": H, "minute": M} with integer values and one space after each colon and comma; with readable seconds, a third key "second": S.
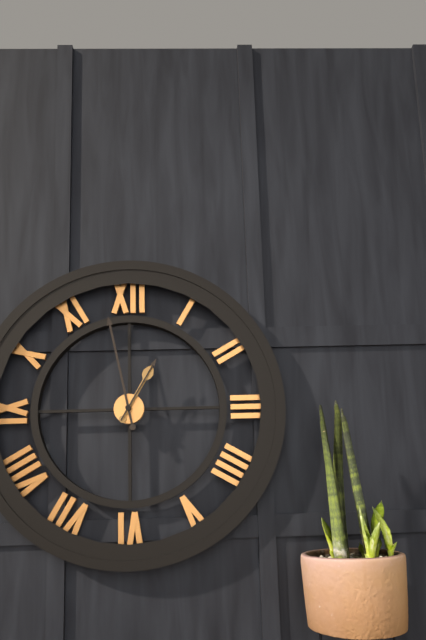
{"hour": 12, "minute": 58, "second": 5}
